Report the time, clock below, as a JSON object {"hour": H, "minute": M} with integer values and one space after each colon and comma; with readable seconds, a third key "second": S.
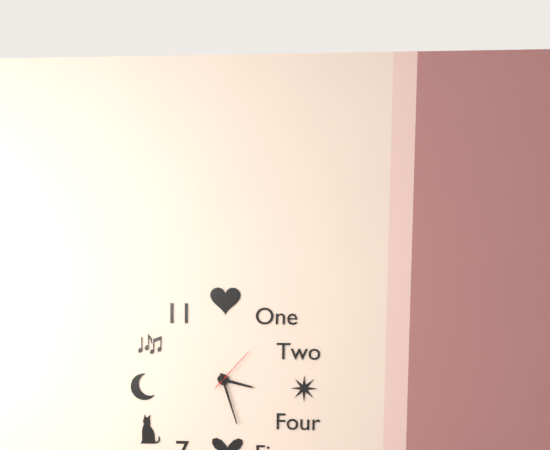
{"hour": 3, "minute": 27}
